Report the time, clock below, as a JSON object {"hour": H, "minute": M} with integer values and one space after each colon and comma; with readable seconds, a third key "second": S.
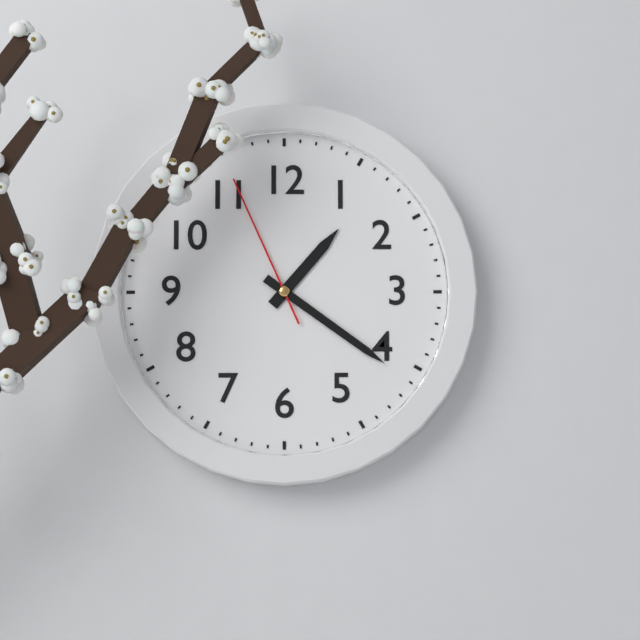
{"hour": 1, "minute": 21, "second": 56}
